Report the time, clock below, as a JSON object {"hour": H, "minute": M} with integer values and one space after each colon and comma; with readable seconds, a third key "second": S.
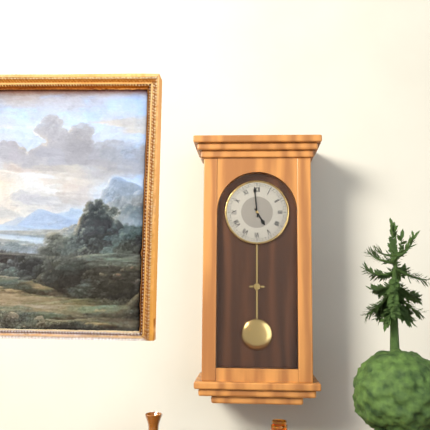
{"hour": 4, "minute": 59}
